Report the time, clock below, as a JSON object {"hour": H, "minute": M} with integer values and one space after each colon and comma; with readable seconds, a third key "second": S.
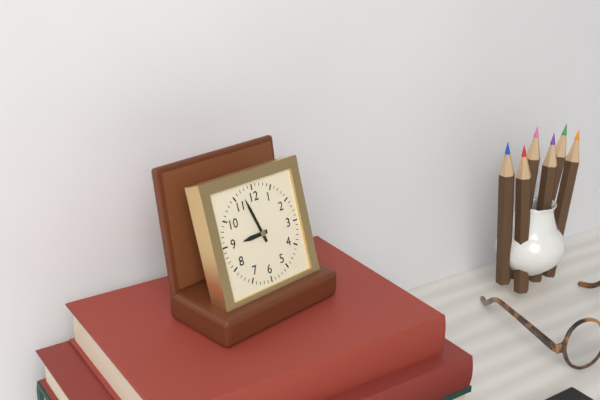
{"hour": 8, "minute": 57}
